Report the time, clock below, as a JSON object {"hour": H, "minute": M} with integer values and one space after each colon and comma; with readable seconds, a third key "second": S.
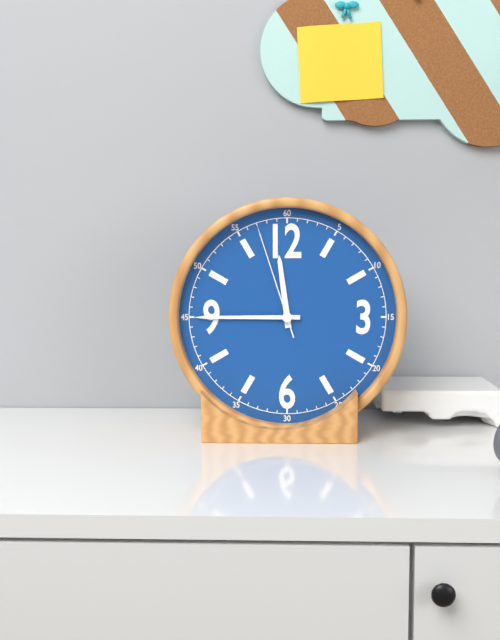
{"hour": 11, "minute": 45, "second": 57}
